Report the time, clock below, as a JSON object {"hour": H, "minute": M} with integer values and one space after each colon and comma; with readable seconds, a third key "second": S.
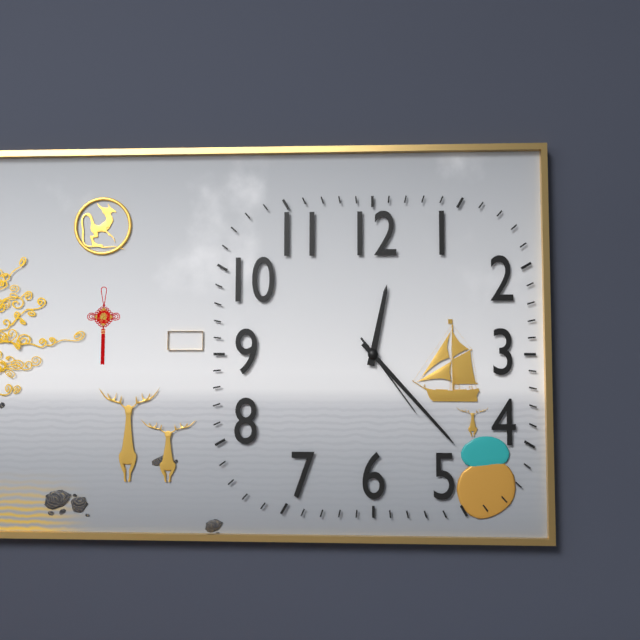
{"hour": 12, "minute": 23, "second": 24}
